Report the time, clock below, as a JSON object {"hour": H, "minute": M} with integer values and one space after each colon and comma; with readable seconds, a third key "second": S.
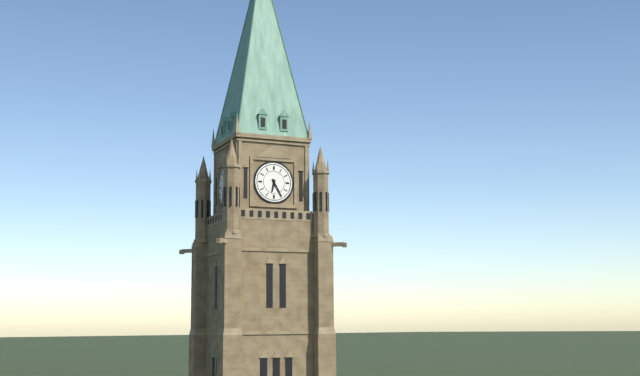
{"hour": 6, "minute": 25}
